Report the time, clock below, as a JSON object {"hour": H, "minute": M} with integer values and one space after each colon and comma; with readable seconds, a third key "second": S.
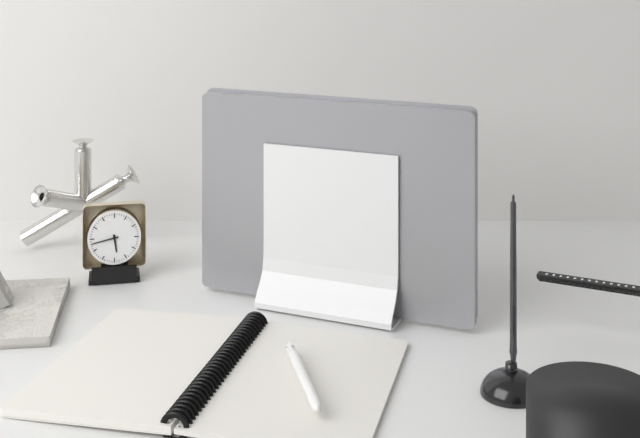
{"hour": 5, "minute": 43}
